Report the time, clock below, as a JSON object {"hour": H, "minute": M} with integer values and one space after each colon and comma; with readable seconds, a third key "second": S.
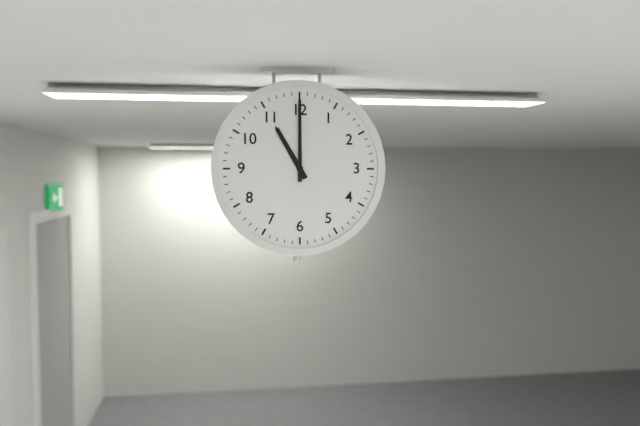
{"hour": 11, "minute": 0}
